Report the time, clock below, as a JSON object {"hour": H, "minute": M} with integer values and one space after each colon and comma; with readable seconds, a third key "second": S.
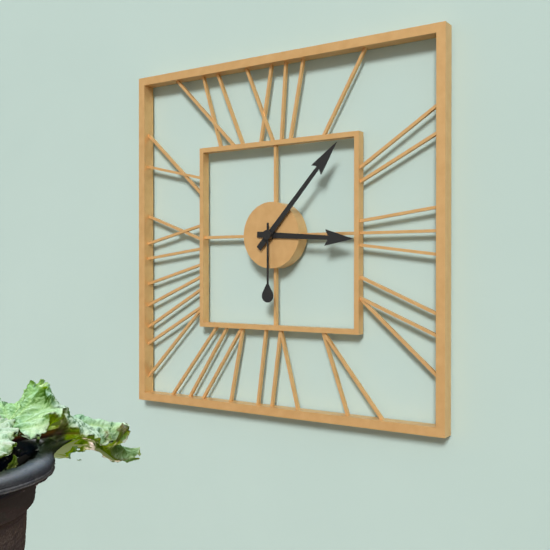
{"hour": 3, "minute": 7, "second": 30}
